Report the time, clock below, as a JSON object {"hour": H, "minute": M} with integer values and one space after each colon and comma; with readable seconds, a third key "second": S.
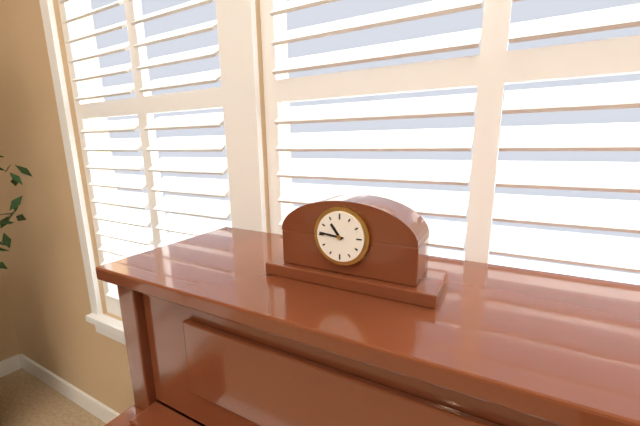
{"hour": 10, "minute": 46}
